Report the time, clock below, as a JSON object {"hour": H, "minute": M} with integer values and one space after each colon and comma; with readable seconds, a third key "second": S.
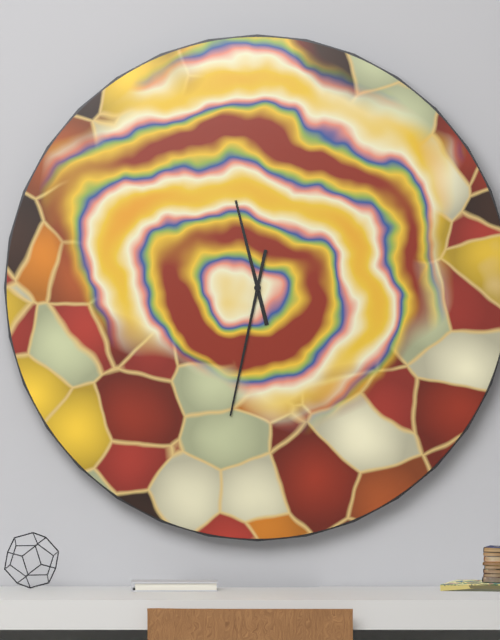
{"hour": 11, "minute": 32}
